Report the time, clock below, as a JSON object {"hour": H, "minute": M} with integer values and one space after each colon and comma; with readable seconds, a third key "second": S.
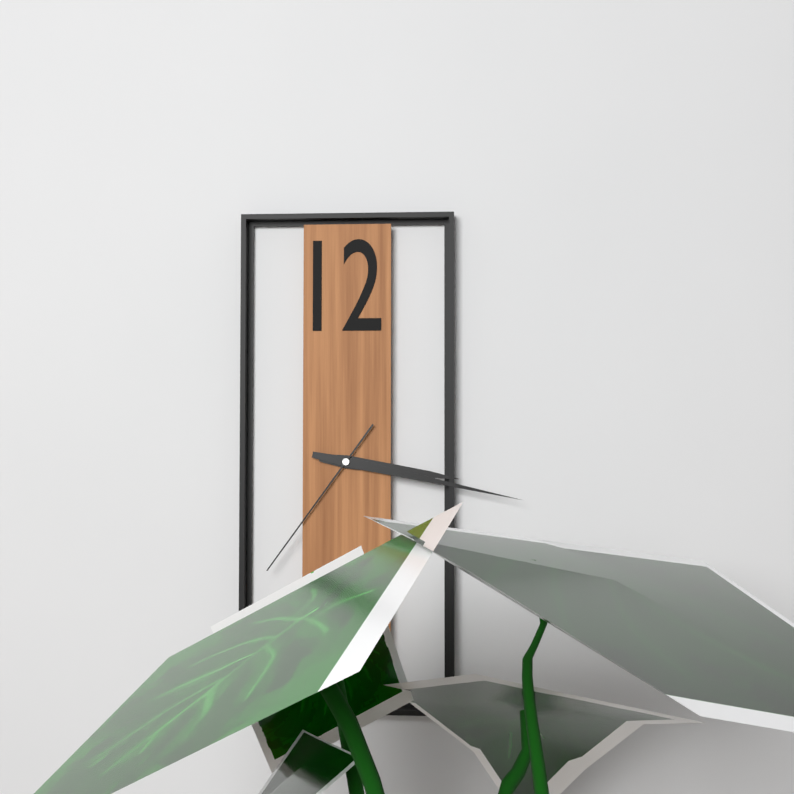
{"hour": 3, "minute": 17, "second": 36}
